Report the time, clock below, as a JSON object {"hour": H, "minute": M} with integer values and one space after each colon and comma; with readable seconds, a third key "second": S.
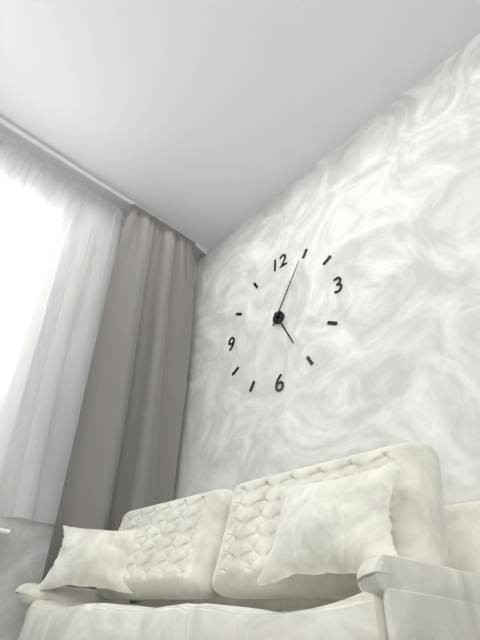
{"hour": 5, "minute": 5}
